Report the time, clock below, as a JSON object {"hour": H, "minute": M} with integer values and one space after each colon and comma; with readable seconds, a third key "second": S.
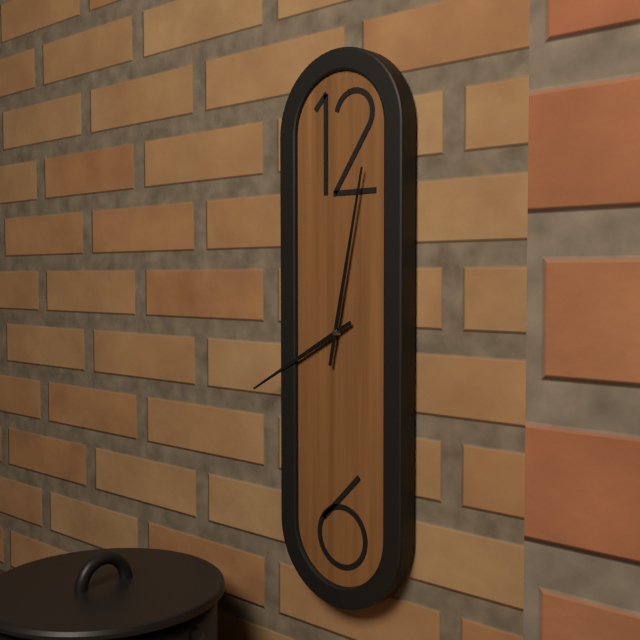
{"hour": 8, "minute": 2}
